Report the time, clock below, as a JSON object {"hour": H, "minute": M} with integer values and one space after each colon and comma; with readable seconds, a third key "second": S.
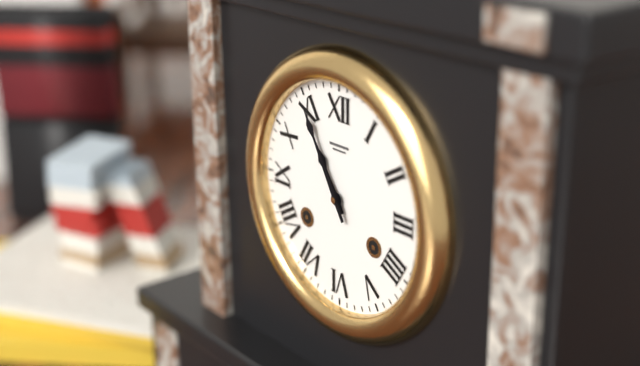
{"hour": 10, "minute": 55}
